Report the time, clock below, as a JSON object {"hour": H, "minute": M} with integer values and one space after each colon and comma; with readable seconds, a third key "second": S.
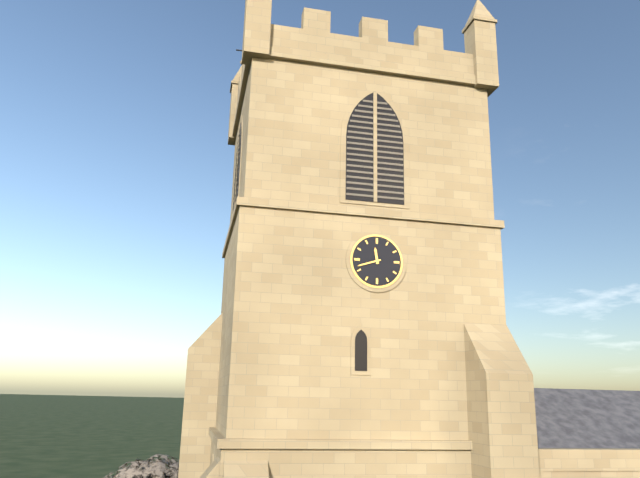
{"hour": 11, "minute": 42}
